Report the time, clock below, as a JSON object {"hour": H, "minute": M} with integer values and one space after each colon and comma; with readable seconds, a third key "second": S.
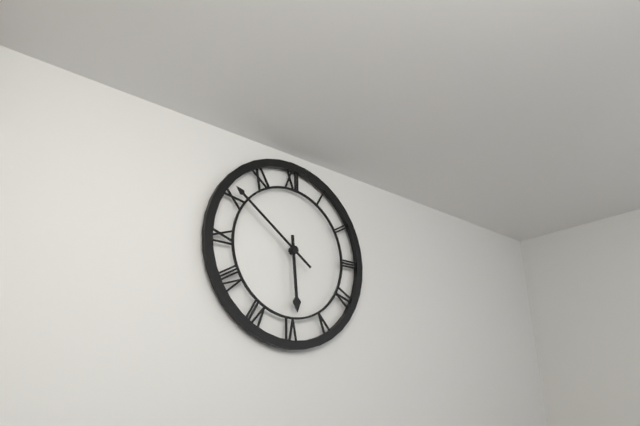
{"hour": 5, "minute": 51}
